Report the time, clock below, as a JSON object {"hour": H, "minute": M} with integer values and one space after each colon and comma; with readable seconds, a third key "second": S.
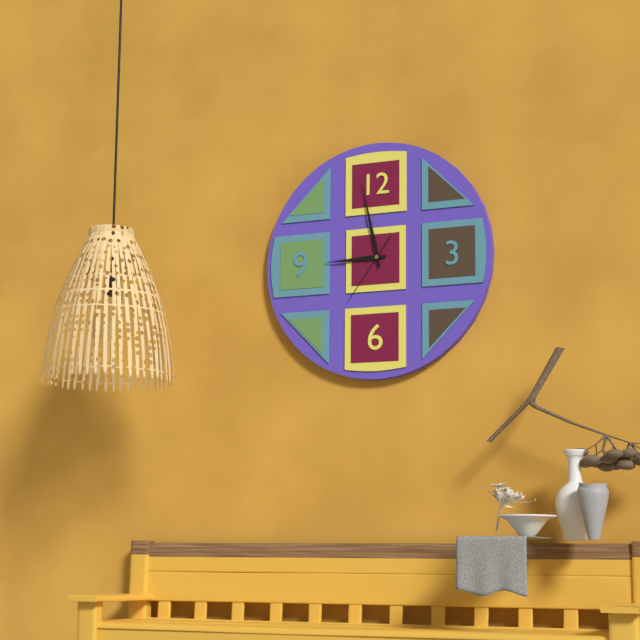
{"hour": 8, "minute": 58, "second": 36}
